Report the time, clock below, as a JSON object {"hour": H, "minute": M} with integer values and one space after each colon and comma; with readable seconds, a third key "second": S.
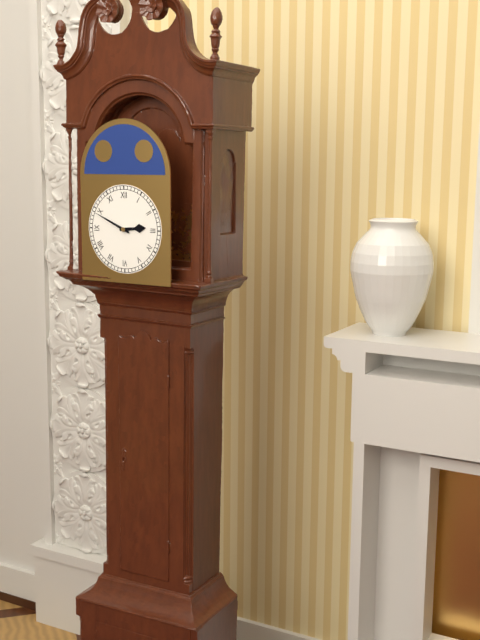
{"hour": 2, "minute": 49}
